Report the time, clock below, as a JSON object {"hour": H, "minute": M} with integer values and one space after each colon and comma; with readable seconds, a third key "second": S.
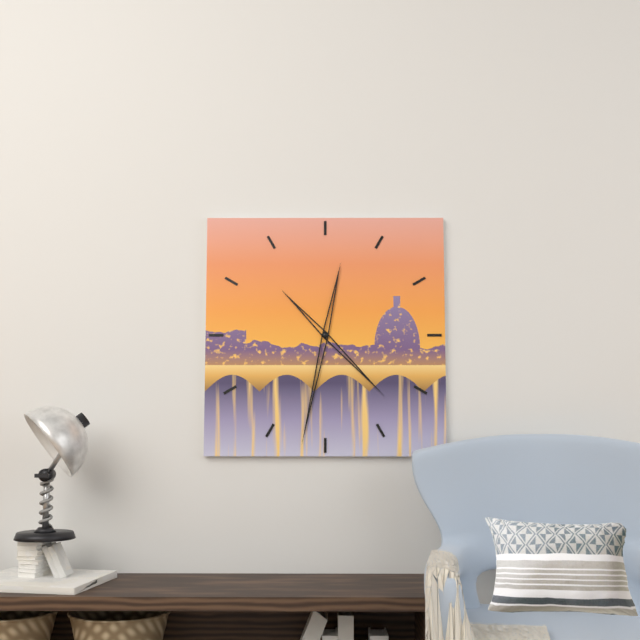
{"hour": 4, "minute": 32}
